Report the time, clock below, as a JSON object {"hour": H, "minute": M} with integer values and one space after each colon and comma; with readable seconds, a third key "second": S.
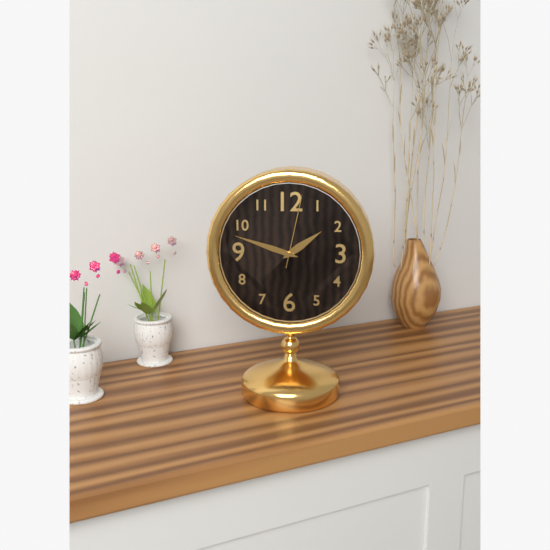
{"hour": 1, "minute": 48, "second": 2}
